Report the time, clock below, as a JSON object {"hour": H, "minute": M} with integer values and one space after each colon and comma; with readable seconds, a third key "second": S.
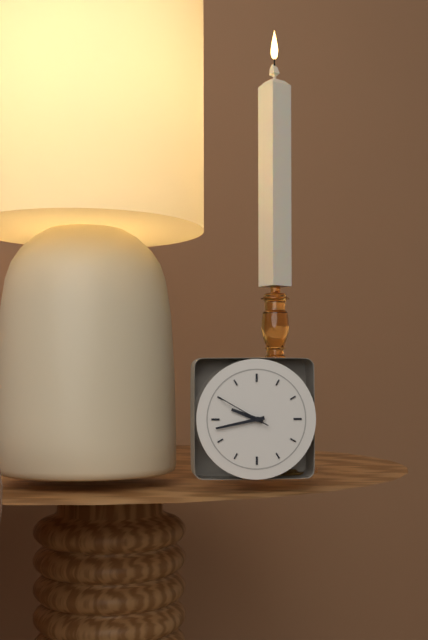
{"hour": 9, "minute": 43, "second": 50}
